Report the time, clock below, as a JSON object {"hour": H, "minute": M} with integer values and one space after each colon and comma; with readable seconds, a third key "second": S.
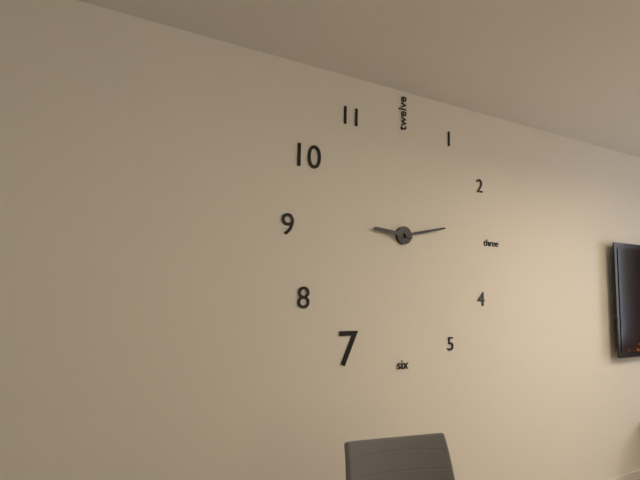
{"hour": 9, "minute": 13}
